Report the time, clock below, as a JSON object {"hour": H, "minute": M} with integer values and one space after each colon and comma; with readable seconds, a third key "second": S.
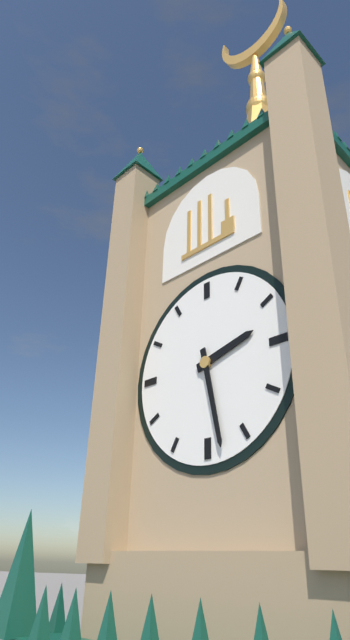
{"hour": 2, "minute": 28}
